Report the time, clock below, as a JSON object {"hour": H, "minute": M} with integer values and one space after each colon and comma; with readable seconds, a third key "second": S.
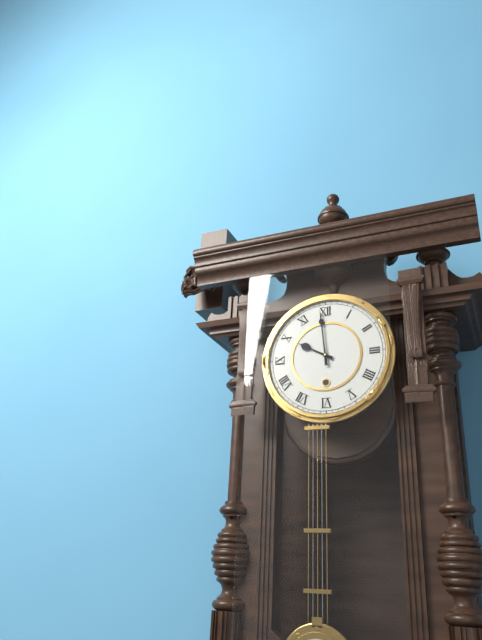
{"hour": 9, "minute": 59}
